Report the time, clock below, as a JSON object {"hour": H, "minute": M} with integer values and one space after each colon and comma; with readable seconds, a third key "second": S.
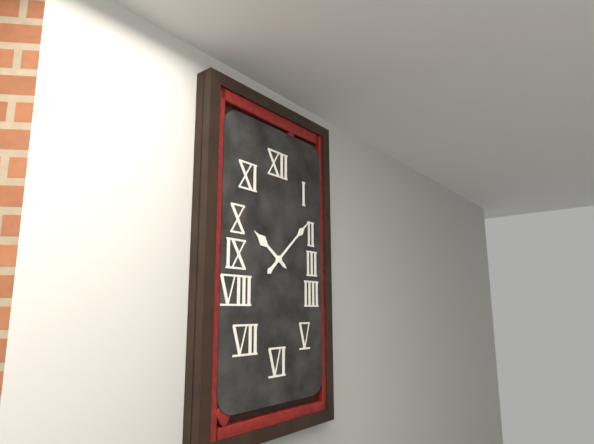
{"hour": 10, "minute": 8}
